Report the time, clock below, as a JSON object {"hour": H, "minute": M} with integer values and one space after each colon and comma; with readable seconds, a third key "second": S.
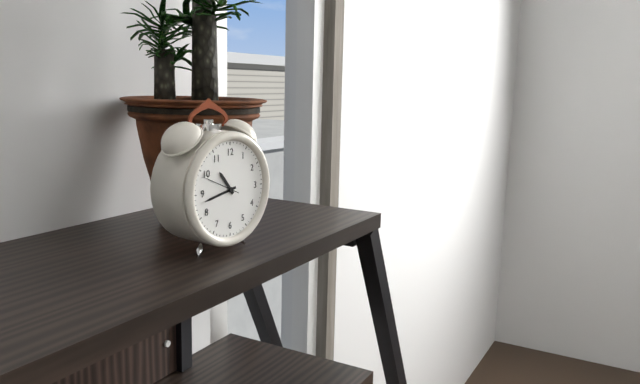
{"hour": 10, "minute": 43}
